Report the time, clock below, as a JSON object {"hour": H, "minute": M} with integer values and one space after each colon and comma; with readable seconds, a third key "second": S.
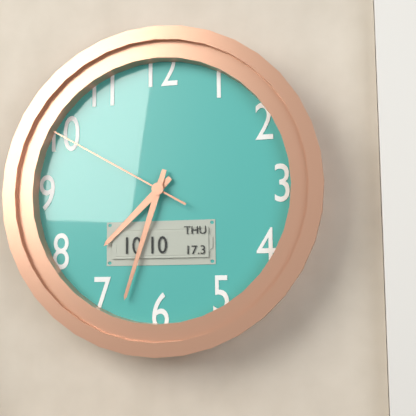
{"hour": 7, "minute": 33, "second": 50}
